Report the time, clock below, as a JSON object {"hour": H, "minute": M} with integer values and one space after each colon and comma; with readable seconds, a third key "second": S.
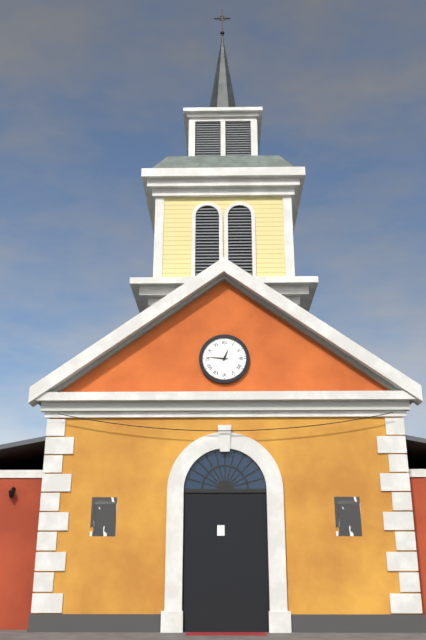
{"hour": 12, "minute": 46}
